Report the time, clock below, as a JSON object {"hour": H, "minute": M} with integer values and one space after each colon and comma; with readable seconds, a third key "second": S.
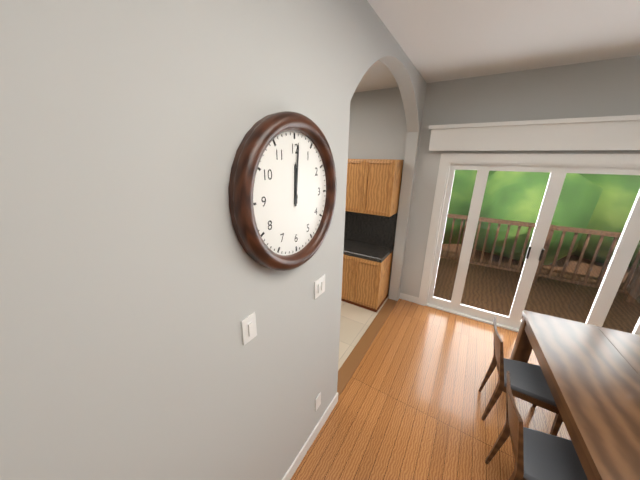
{"hour": 12, "minute": 1}
